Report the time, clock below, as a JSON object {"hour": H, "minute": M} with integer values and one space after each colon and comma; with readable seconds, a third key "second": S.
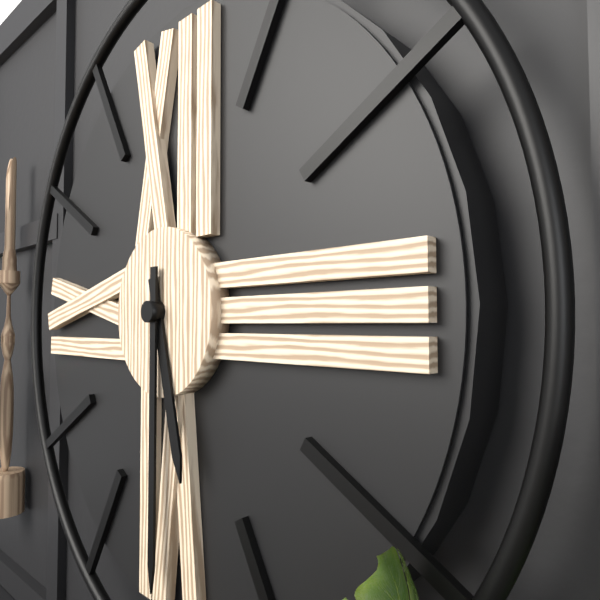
{"hour": 5, "minute": 30}
